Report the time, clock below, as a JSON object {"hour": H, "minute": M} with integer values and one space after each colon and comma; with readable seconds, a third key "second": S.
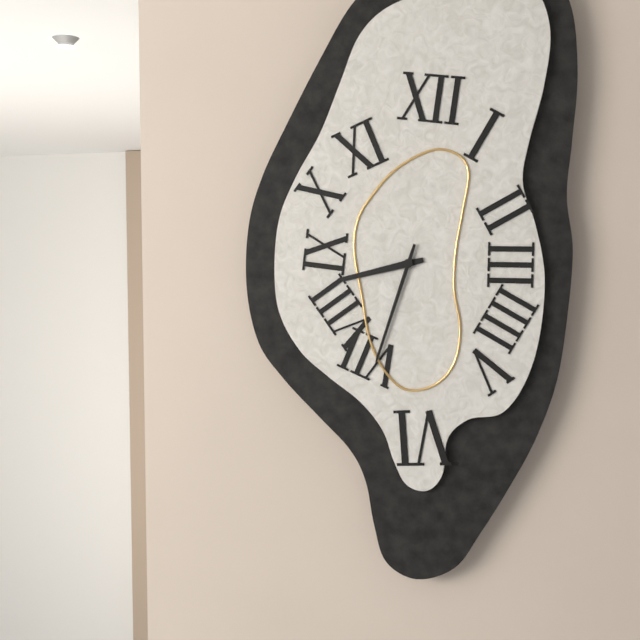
{"hour": 8, "minute": 33}
